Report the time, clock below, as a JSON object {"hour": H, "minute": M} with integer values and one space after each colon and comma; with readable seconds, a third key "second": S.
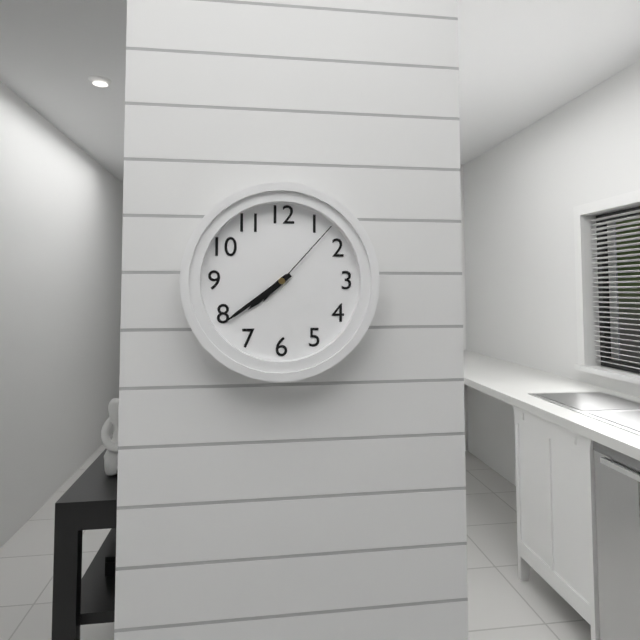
{"hour": 7, "minute": 39, "second": 7}
